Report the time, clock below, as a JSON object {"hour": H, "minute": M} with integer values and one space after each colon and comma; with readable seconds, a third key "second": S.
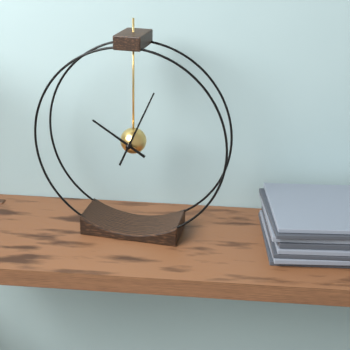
{"hour": 10, "minute": 4}
